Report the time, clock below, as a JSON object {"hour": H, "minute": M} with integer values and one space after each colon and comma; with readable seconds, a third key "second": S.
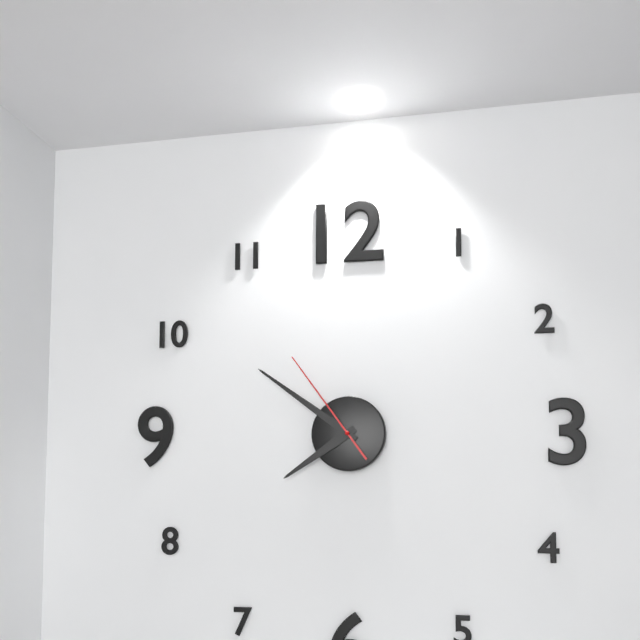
{"hour": 7, "minute": 51, "second": 54}
